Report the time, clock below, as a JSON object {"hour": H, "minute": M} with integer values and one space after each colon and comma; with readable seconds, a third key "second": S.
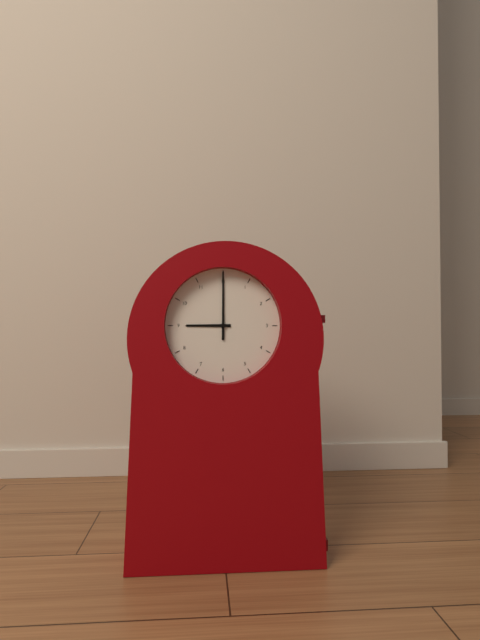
{"hour": 9, "minute": 0}
